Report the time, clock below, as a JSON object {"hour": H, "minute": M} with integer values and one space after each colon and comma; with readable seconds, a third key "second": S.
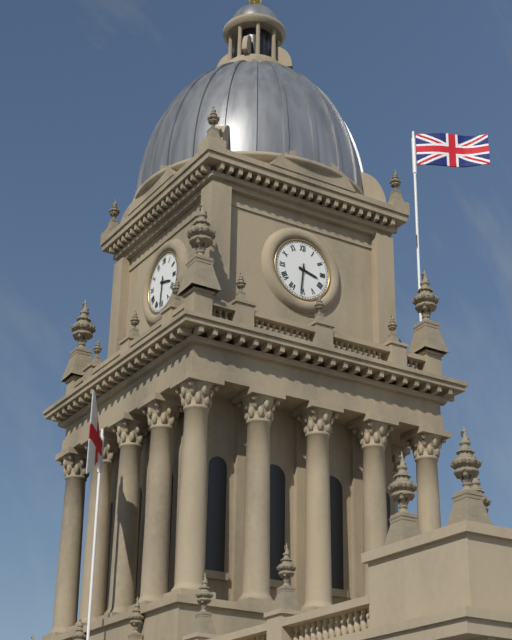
{"hour": 3, "minute": 31}
